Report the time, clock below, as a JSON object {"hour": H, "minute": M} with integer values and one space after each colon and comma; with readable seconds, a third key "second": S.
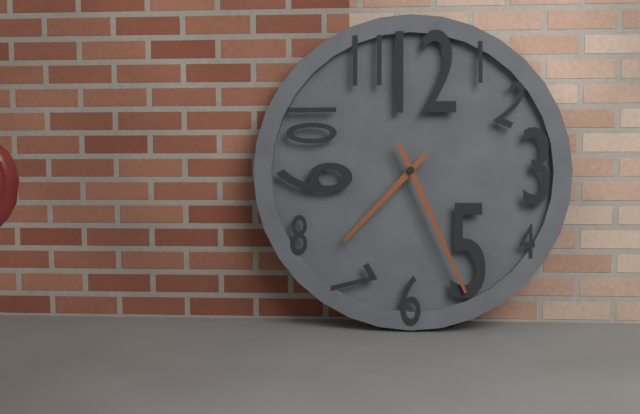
{"hour": 7, "minute": 26}
